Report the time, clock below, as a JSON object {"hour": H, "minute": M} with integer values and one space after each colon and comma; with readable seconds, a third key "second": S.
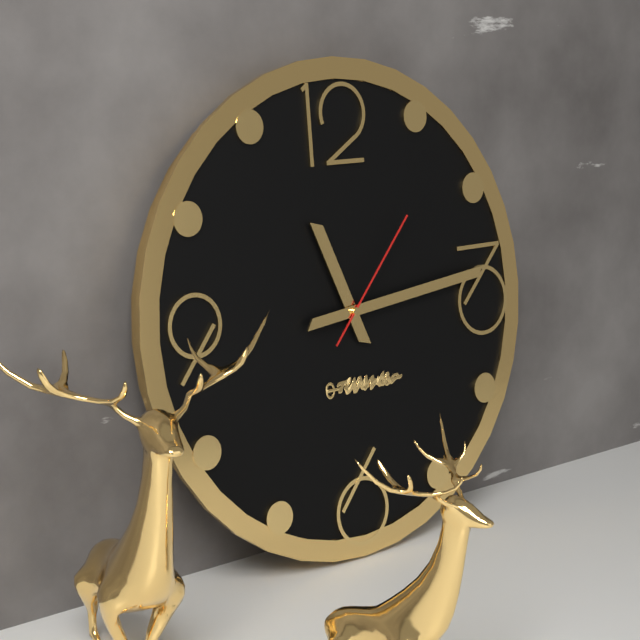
{"hour": 11, "minute": 14, "second": 7}
